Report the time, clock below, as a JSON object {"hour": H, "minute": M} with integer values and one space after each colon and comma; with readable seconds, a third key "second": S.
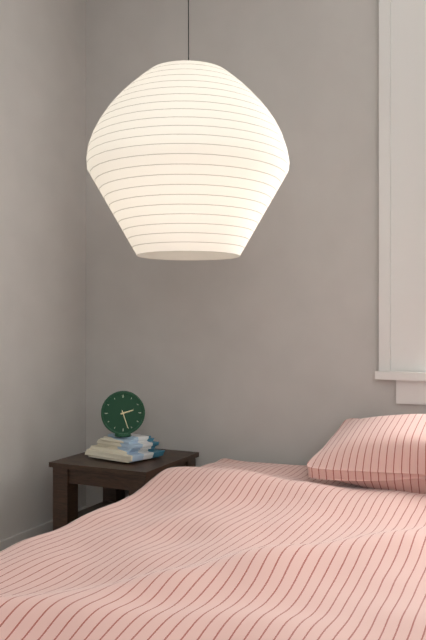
{"hour": 2, "minute": 27}
